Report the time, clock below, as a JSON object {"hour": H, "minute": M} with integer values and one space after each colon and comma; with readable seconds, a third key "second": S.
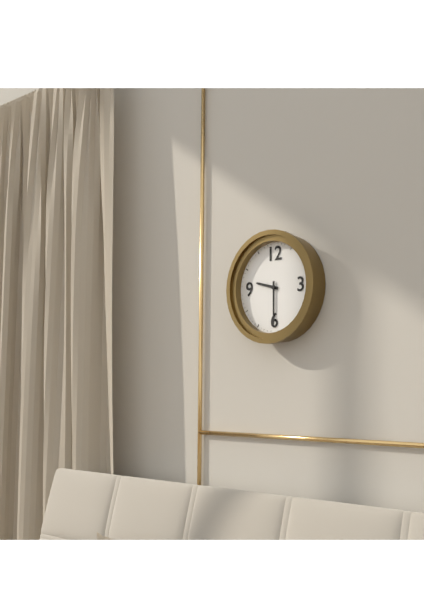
{"hour": 9, "minute": 30}
